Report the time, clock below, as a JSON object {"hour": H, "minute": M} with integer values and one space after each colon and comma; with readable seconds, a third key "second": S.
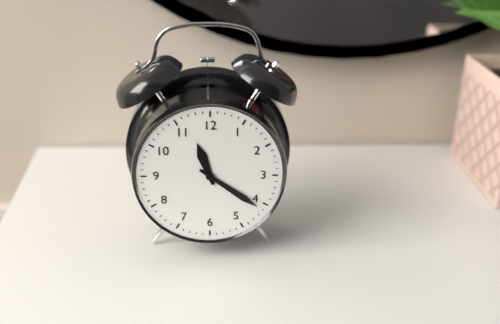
{"hour": 11, "minute": 21}
